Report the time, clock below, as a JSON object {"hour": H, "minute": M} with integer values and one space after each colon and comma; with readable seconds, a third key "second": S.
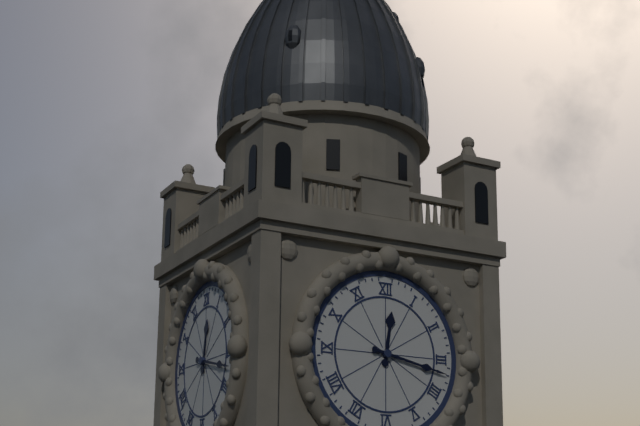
{"hour": 12, "minute": 17}
